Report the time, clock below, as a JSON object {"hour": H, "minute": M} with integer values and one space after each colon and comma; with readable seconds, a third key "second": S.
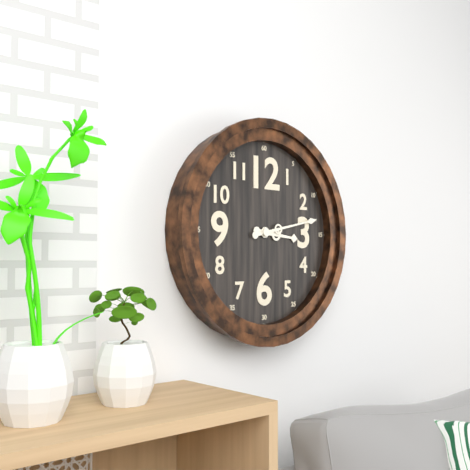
{"hour": 3, "minute": 13}
